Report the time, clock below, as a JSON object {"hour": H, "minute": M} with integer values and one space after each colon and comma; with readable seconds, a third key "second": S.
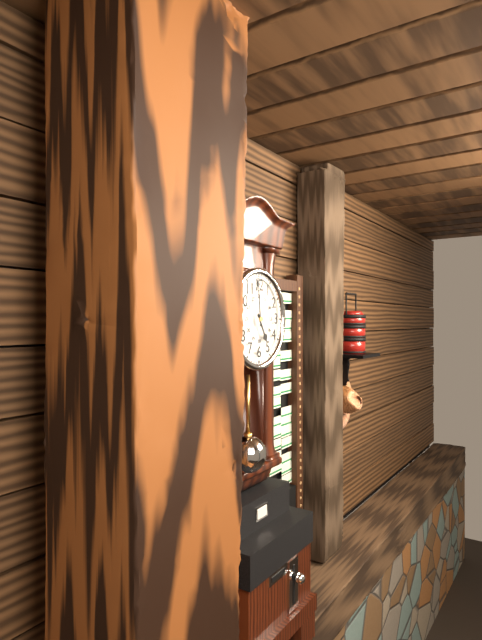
{"hour": 4, "minute": 59}
